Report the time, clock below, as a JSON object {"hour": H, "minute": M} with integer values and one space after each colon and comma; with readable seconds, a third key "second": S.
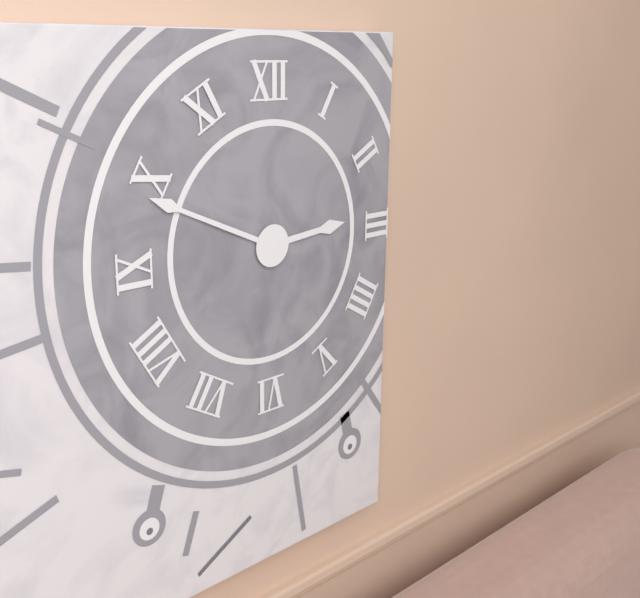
{"hour": 2, "minute": 49}
